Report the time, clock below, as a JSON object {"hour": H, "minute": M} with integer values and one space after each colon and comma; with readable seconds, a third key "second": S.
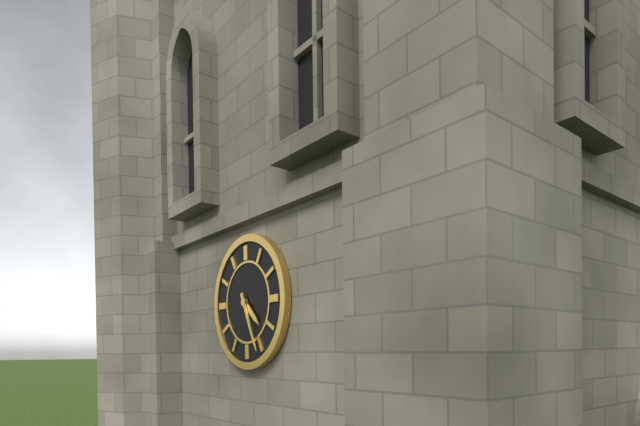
{"hour": 4, "minute": 26}
